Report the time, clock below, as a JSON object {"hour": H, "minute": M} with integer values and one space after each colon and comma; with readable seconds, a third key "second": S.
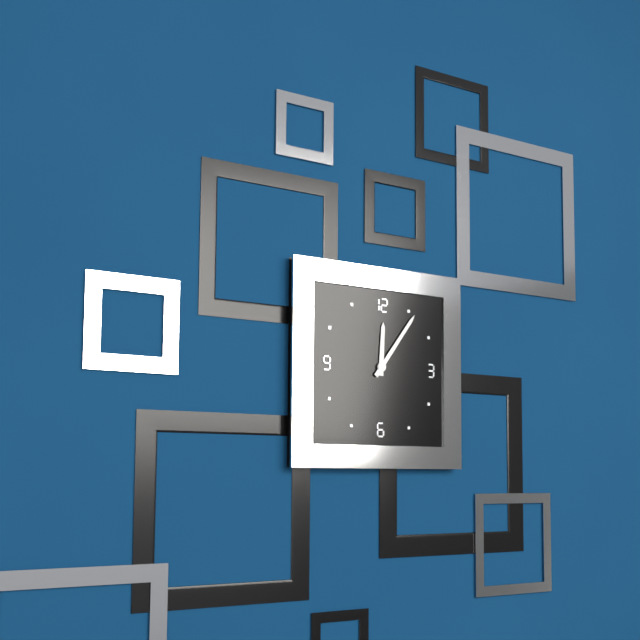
{"hour": 12, "minute": 6}
